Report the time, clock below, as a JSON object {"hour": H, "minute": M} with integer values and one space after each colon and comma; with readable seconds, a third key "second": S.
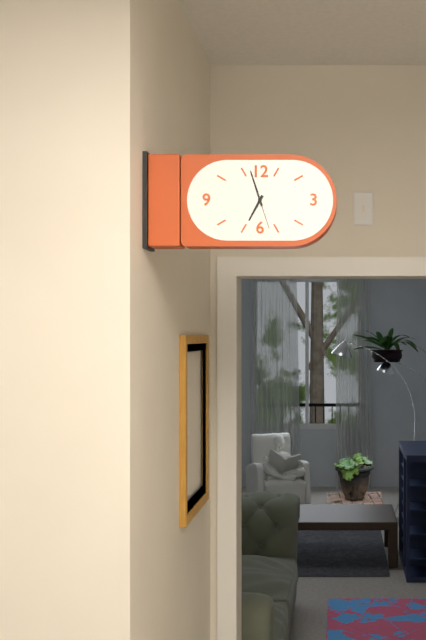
{"hour": 6, "minute": 57}
